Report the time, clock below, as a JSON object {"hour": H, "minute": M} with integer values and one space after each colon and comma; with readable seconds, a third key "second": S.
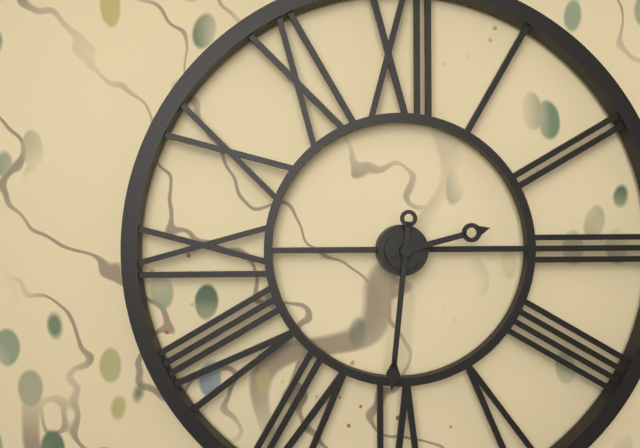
{"hour": 2, "minute": 31}
